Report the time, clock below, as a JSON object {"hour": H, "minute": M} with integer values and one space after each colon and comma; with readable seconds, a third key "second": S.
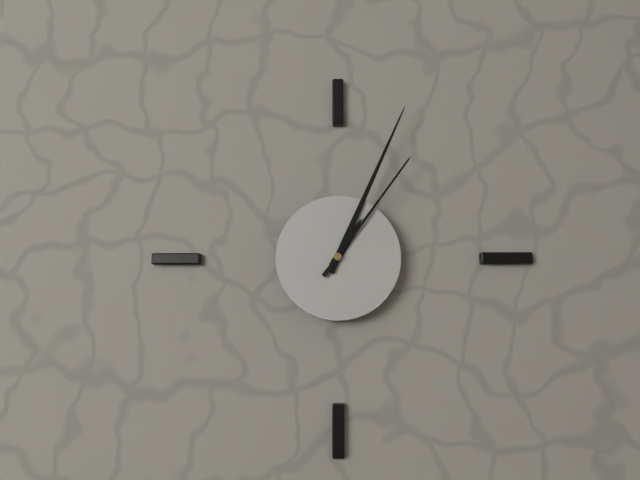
{"hour": 1, "minute": 4, "second": 6}
